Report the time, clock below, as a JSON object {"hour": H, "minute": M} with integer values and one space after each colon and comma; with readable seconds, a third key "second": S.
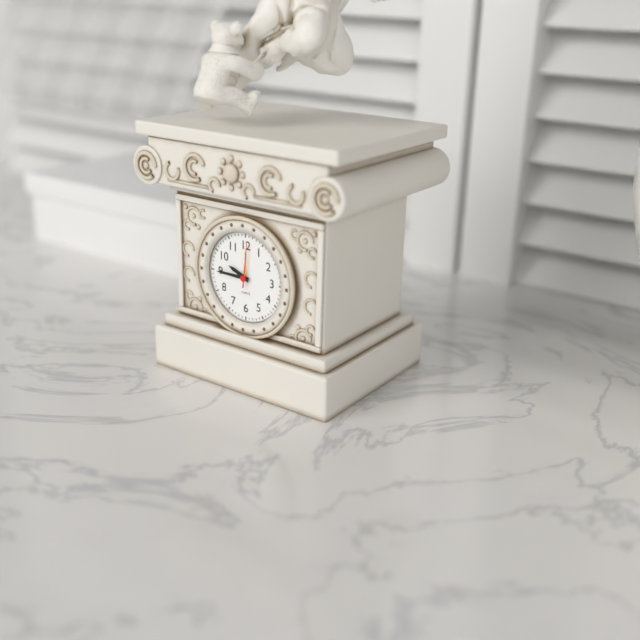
{"hour": 9, "minute": 45}
